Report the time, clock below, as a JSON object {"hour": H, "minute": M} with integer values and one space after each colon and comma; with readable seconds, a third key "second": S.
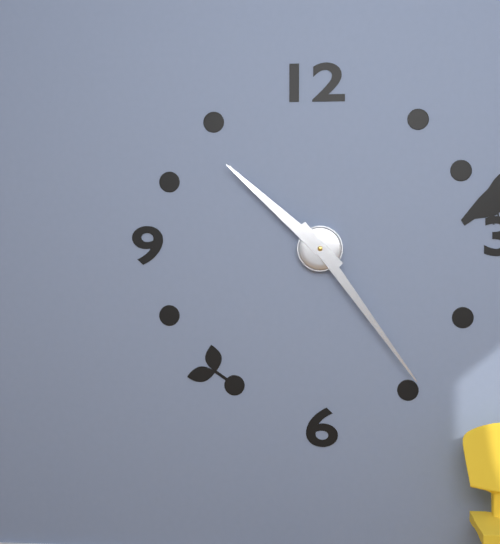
{"hour": 10, "minute": 24}
